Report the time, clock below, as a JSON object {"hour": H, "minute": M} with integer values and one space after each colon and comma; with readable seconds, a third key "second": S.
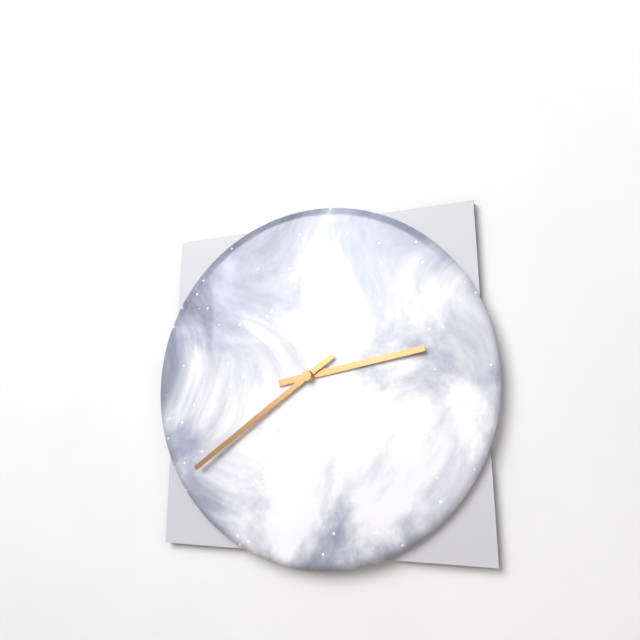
{"hour": 2, "minute": 39}
